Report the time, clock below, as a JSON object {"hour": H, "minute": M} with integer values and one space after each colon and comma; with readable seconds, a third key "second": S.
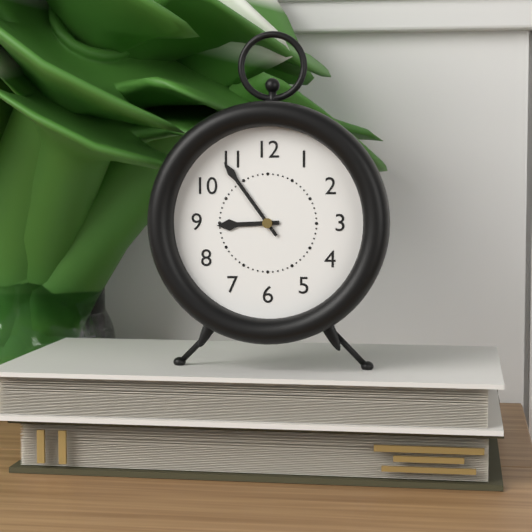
{"hour": 8, "minute": 54}
